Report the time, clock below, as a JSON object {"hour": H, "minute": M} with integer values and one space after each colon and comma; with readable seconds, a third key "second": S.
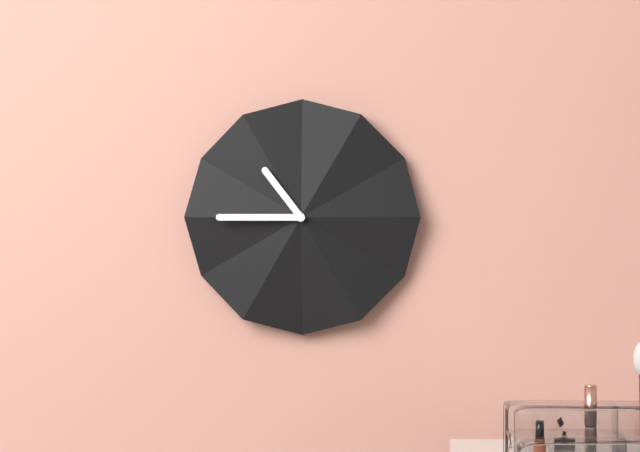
{"hour": 10, "minute": 45}
